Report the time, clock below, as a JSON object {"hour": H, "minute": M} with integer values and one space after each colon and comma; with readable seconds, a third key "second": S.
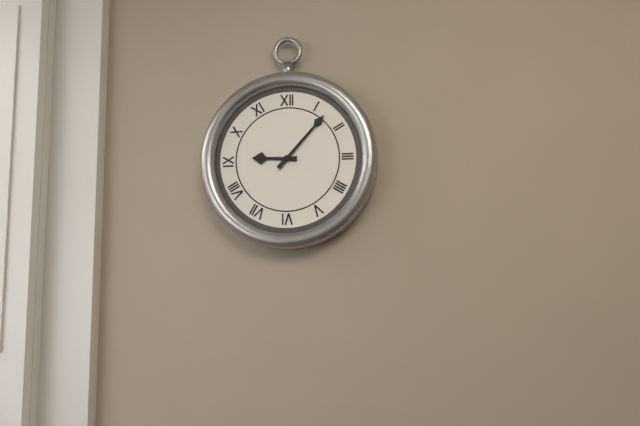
{"hour": 9, "minute": 7}
